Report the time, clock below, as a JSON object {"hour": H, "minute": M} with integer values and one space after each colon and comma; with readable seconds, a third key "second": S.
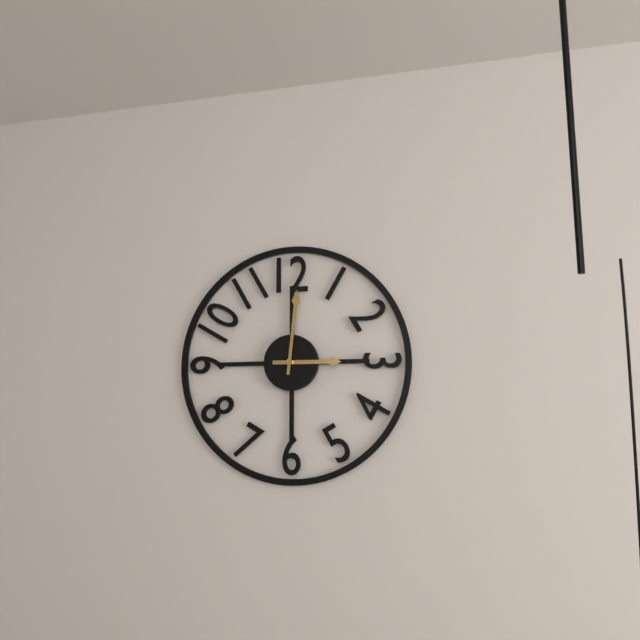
{"hour": 3, "minute": 1}
